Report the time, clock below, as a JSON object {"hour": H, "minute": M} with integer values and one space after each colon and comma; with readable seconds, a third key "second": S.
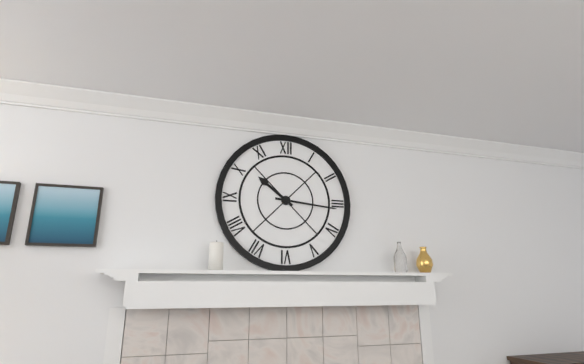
{"hour": 10, "minute": 16}
